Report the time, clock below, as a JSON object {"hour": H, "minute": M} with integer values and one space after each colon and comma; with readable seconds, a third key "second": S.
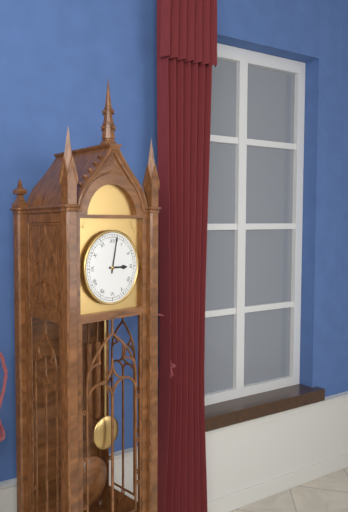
{"hour": 3, "minute": 2}
